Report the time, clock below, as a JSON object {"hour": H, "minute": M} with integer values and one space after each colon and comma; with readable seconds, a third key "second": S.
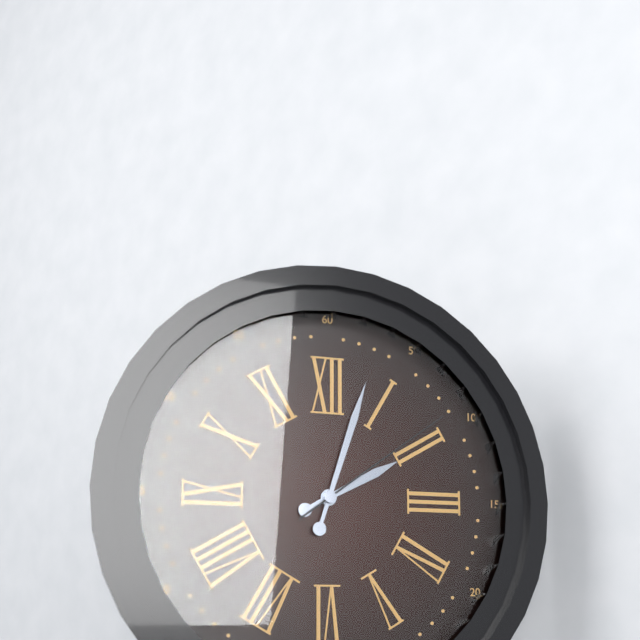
{"hour": 2, "minute": 3, "second": 9}
